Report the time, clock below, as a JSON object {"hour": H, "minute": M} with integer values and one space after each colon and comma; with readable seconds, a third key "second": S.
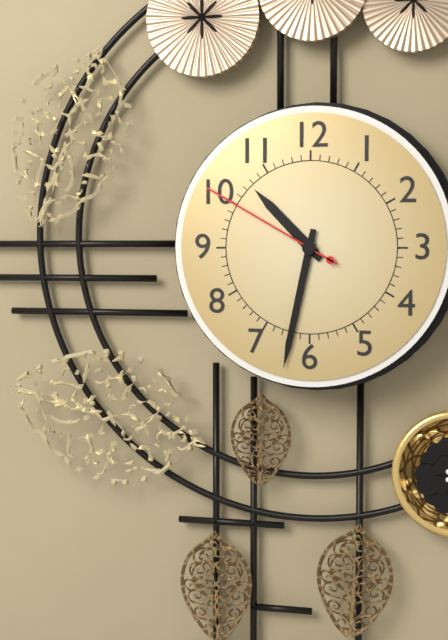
{"hour": 10, "minute": 32, "second": 50}
